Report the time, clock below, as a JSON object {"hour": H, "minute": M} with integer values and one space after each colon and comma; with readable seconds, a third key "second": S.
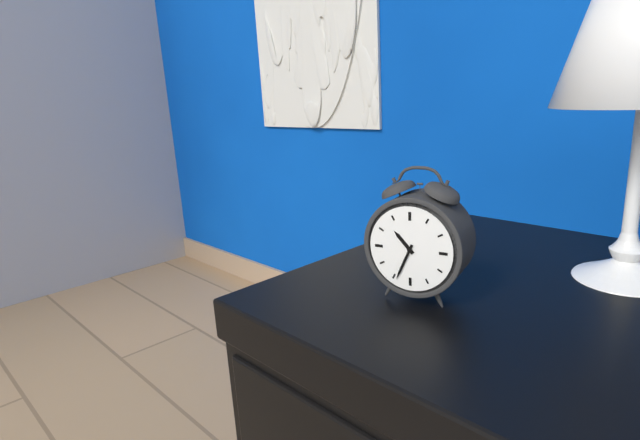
{"hour": 10, "minute": 34}
